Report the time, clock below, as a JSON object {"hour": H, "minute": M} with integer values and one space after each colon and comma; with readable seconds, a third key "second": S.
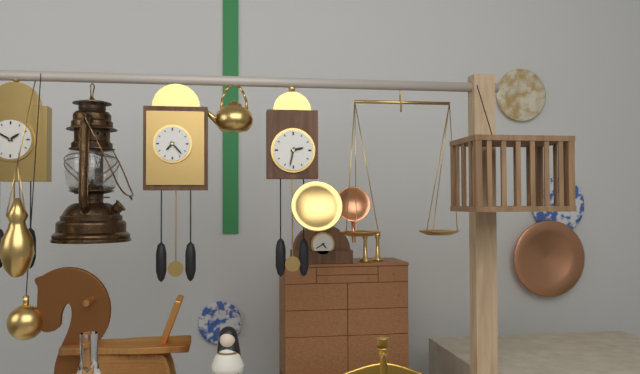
{"hour": 2, "minute": 32}
